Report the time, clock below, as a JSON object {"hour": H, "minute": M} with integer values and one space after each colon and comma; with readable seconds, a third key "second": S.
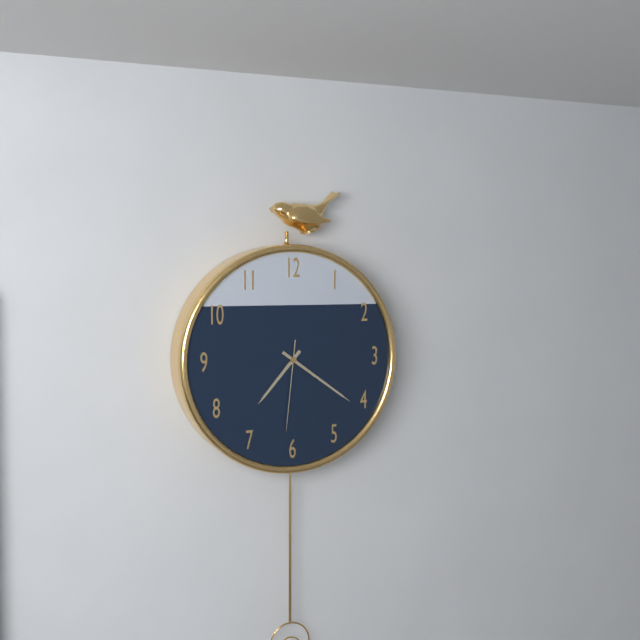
{"hour": 7, "minute": 21, "second": 31}
